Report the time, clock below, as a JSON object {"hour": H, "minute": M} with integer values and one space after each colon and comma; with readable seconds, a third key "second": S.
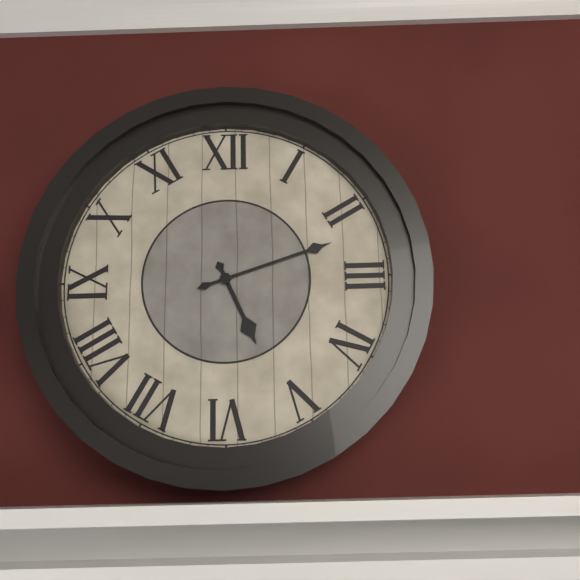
{"hour": 5, "minute": 12}
